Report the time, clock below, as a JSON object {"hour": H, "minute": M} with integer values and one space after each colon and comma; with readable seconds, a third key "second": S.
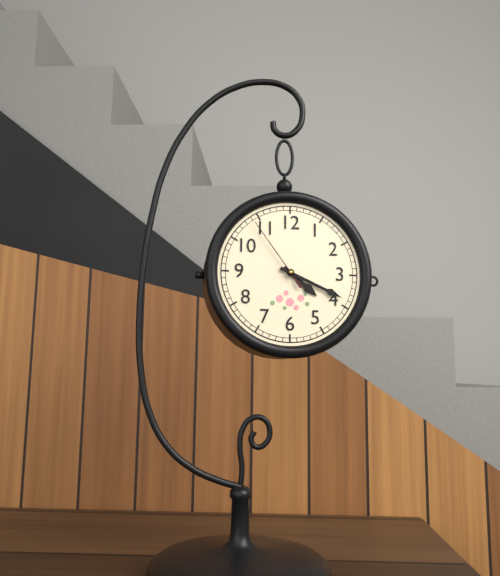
{"hour": 4, "minute": 19, "second": 54}
